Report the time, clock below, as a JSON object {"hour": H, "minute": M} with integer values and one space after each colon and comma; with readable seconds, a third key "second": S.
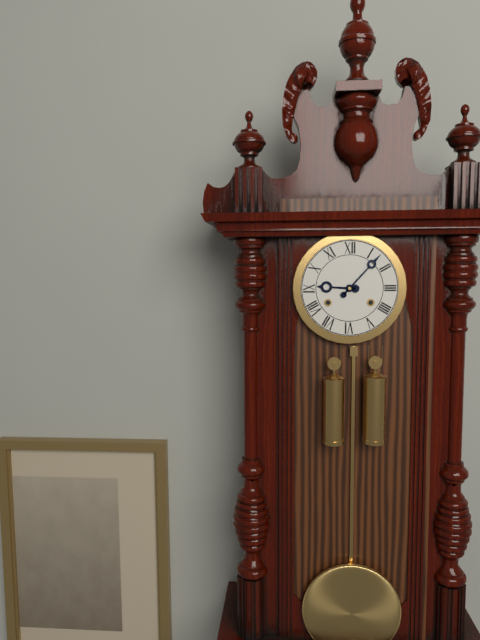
{"hour": 9, "minute": 7}
